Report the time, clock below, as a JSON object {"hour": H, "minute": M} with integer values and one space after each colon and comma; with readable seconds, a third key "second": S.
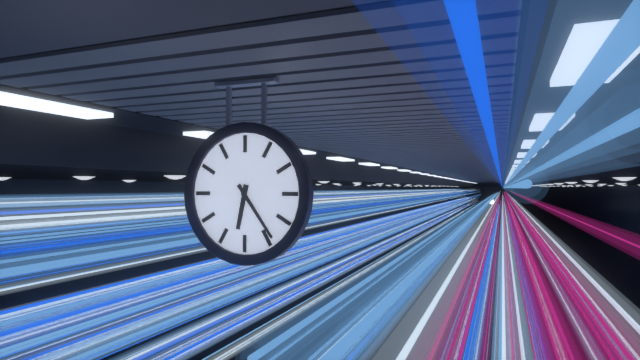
{"hour": 6, "minute": 24}
